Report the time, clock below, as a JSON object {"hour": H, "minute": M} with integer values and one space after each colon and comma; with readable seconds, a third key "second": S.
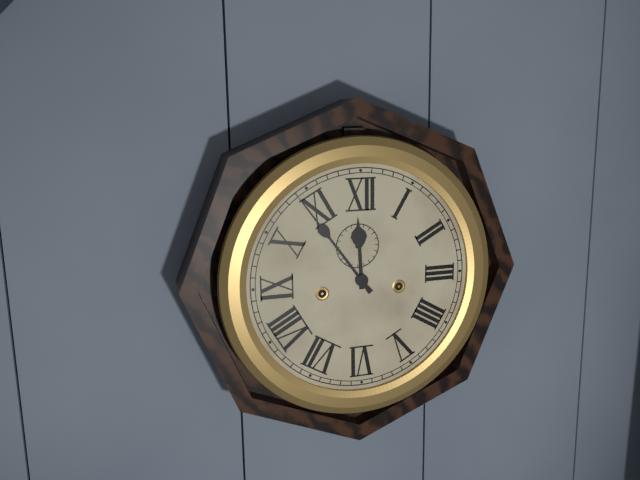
{"hour": 11, "minute": 54}
